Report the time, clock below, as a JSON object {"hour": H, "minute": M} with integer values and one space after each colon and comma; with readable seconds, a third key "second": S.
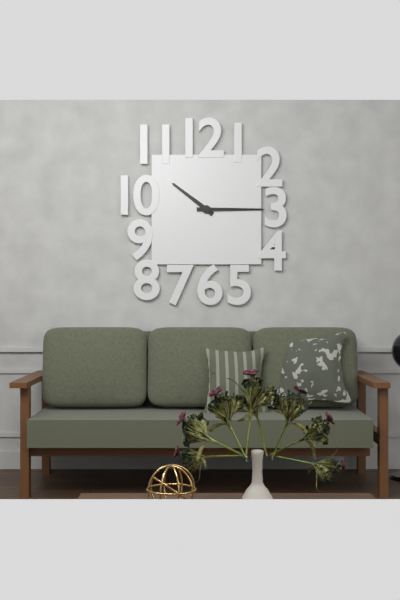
{"hour": 10, "minute": 15}
